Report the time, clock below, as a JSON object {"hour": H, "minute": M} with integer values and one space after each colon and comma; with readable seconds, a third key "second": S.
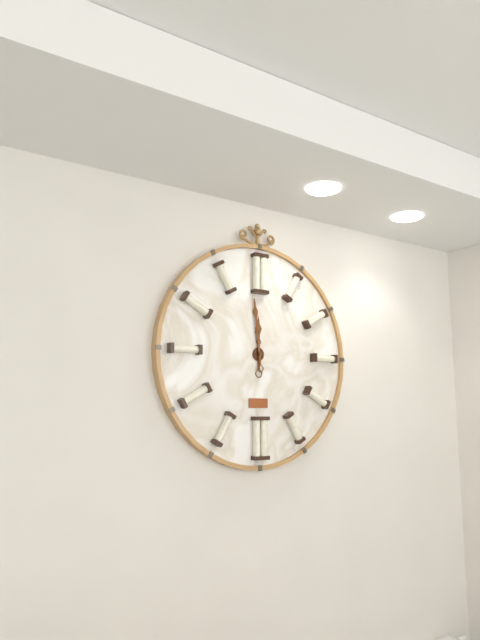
{"hour": 11, "minute": 59}
